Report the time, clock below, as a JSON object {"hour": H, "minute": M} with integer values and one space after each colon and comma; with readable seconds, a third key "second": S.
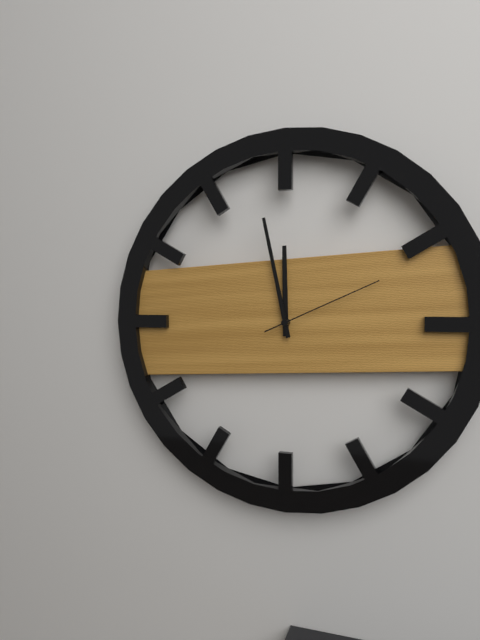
{"hour": 11, "minute": 58, "second": 11}
